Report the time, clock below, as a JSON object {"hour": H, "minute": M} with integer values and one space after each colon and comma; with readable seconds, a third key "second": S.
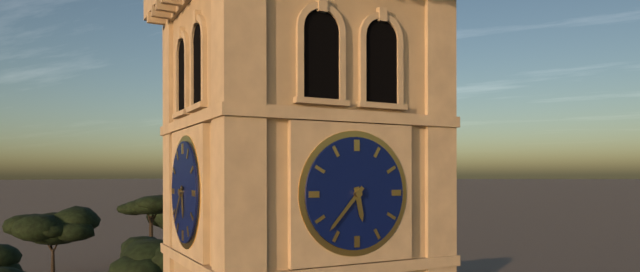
{"hour": 5, "minute": 37}
